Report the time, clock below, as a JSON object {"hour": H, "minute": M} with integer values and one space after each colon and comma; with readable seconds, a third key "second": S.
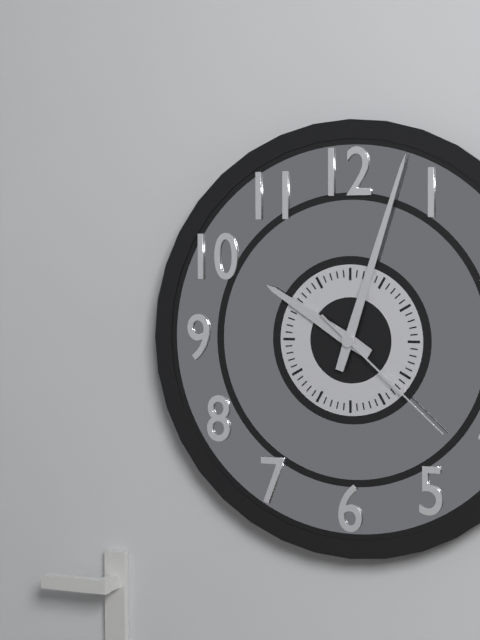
{"hour": 10, "minute": 3, "second": 22}
